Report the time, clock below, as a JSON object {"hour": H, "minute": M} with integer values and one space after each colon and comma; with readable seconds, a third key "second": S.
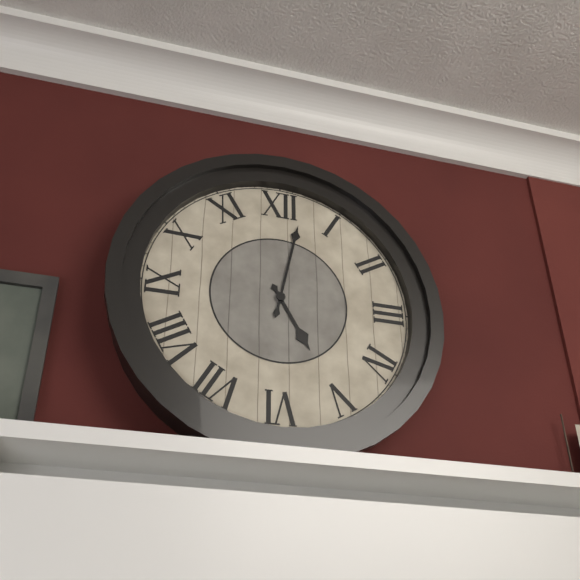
{"hour": 5, "minute": 2}
